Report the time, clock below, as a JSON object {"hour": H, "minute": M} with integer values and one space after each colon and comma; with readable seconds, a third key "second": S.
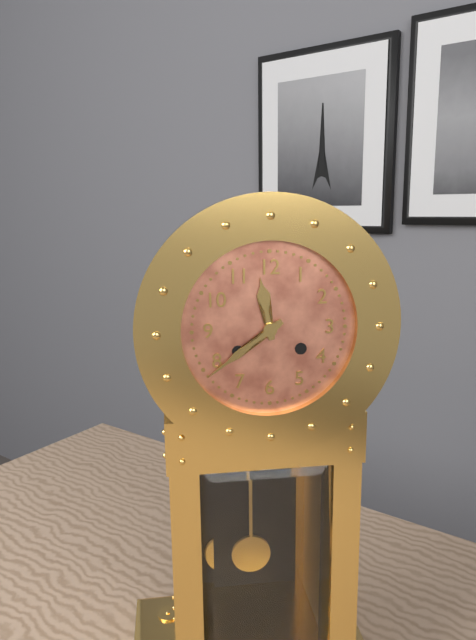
{"hour": 11, "minute": 39}
